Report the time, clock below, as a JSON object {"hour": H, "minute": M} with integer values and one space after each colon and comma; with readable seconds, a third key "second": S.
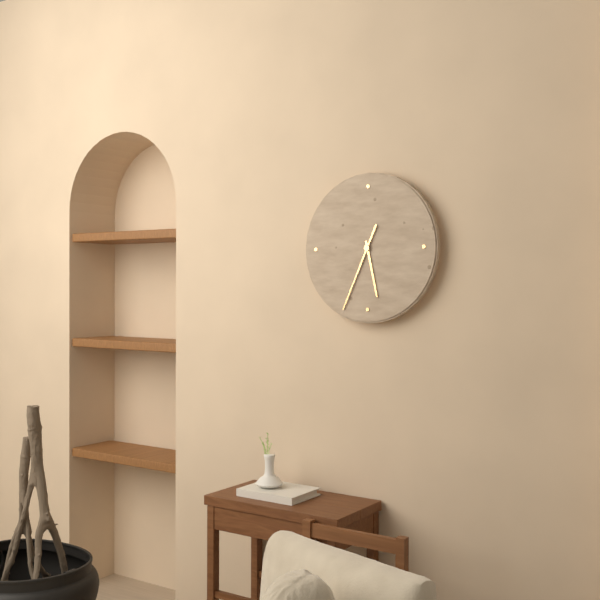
{"hour": 5, "minute": 34}
